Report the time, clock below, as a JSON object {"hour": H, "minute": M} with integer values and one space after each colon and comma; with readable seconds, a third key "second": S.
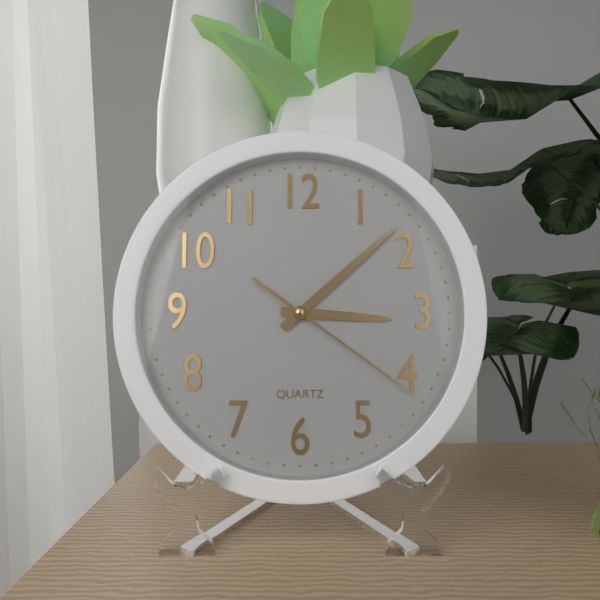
{"hour": 3, "minute": 8, "second": 21}
